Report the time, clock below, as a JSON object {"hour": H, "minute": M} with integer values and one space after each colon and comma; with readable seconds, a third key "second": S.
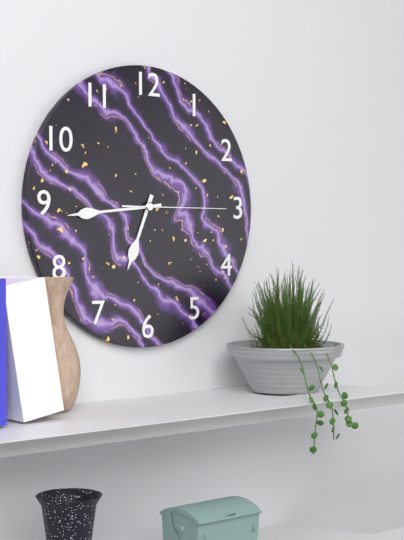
{"hour": 6, "minute": 44, "second": 15}
